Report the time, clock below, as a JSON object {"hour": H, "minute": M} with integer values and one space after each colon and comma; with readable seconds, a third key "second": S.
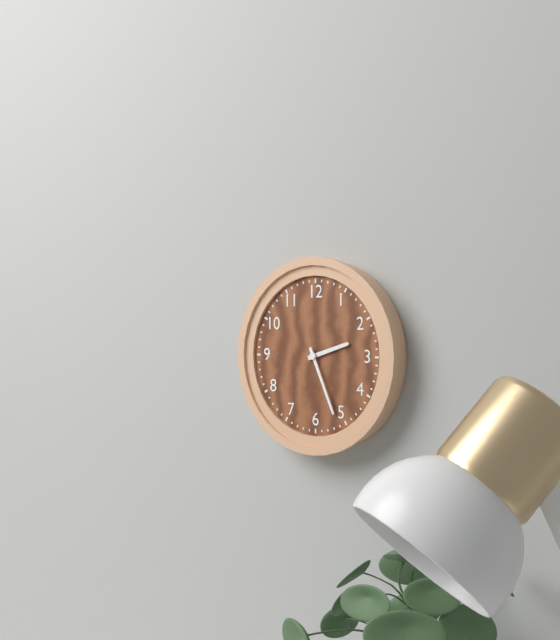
{"hour": 2, "minute": 26}
